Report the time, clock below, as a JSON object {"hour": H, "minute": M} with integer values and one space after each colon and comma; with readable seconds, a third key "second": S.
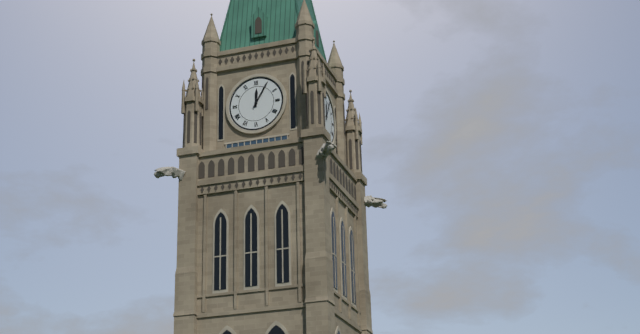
{"hour": 12, "minute": 5}
